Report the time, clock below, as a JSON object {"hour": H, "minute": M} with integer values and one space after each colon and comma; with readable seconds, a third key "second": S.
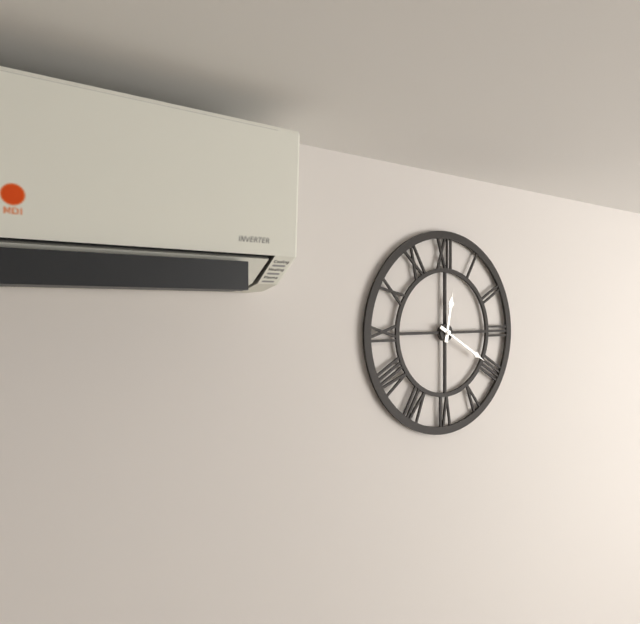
{"hour": 12, "minute": 20}
